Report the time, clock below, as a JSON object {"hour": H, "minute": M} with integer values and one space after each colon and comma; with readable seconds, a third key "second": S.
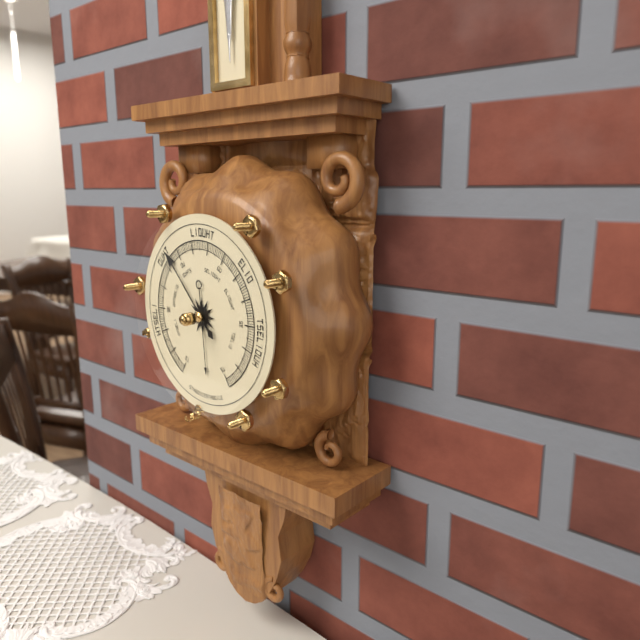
{"hour": 5, "minute": 53}
